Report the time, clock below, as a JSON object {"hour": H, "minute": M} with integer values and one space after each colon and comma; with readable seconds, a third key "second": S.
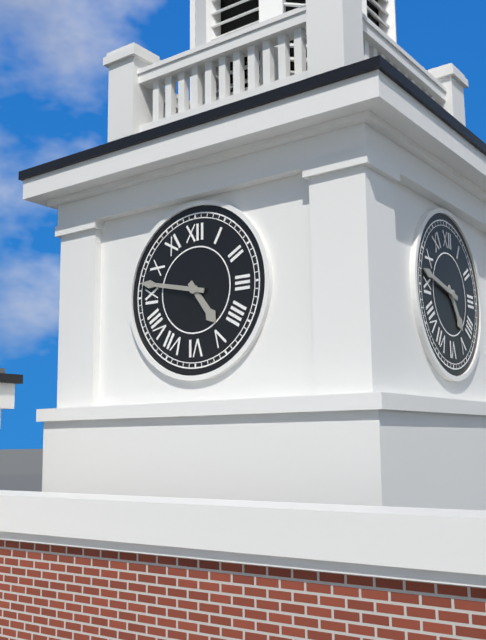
{"hour": 4, "minute": 47}
